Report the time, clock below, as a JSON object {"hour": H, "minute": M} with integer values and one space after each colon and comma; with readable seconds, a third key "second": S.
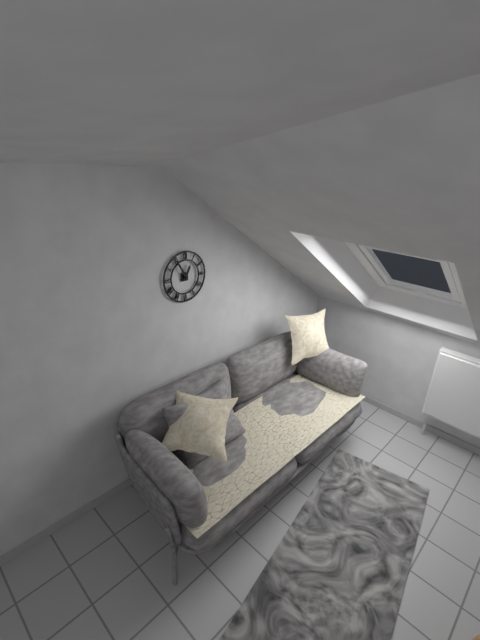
{"hour": 12, "minute": 55}
